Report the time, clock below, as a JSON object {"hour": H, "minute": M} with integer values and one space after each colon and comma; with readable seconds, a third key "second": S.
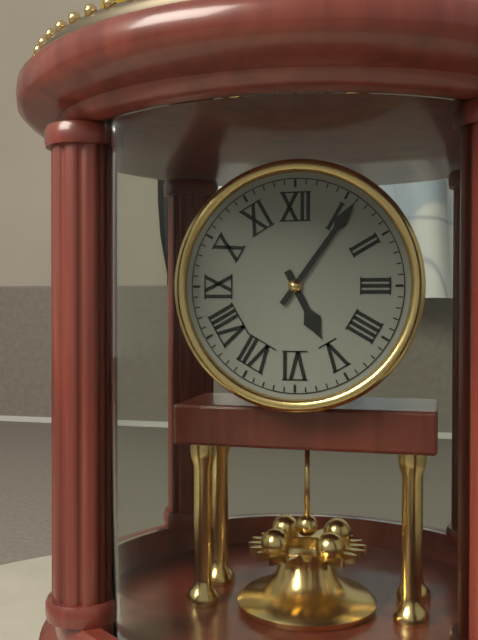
{"hour": 5, "minute": 6}
